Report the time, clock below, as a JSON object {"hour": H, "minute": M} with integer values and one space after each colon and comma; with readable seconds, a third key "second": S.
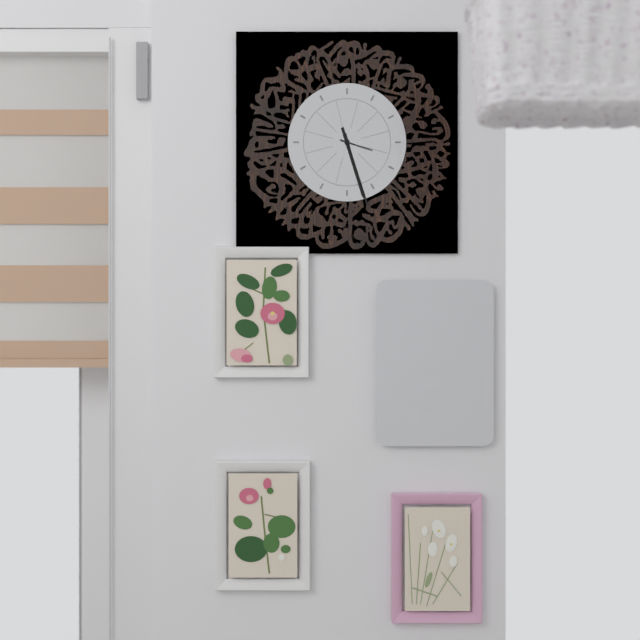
{"hour": 5, "minute": 27}
